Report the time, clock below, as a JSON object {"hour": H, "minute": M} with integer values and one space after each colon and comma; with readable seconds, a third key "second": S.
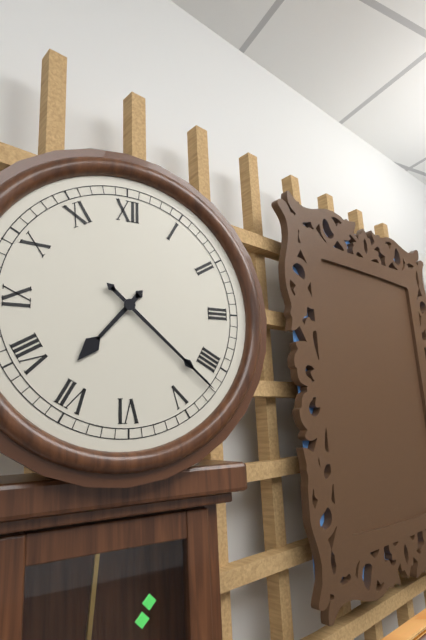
{"hour": 7, "minute": 22}
